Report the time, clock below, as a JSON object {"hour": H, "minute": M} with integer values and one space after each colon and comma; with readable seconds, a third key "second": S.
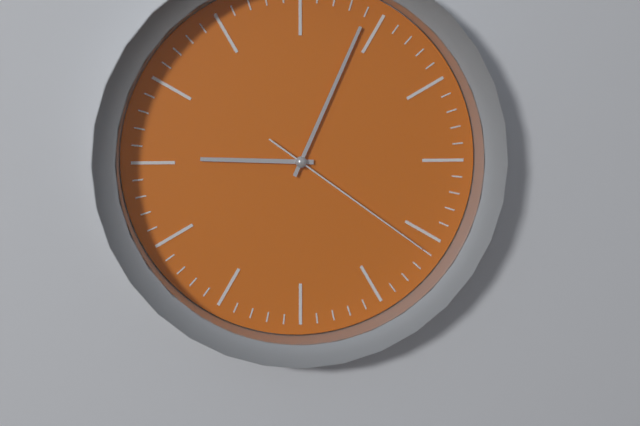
{"hour": 9, "minute": 4, "second": 21}
